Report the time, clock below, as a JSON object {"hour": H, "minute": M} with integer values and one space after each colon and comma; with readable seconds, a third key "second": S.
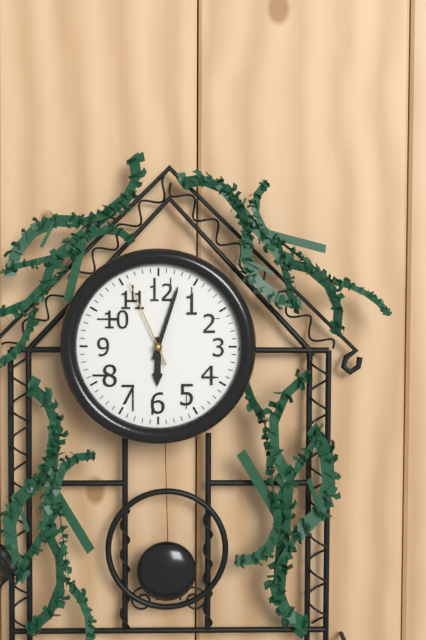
{"hour": 6, "minute": 3, "second": 56}
